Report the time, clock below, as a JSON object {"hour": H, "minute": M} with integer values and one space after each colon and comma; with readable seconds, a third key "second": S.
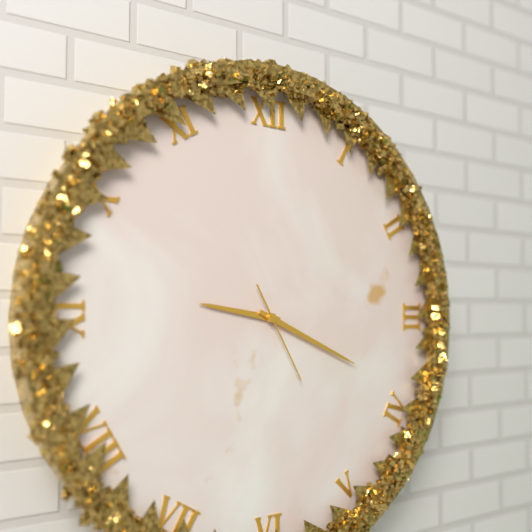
{"hour": 9, "minute": 19, "second": 25}
